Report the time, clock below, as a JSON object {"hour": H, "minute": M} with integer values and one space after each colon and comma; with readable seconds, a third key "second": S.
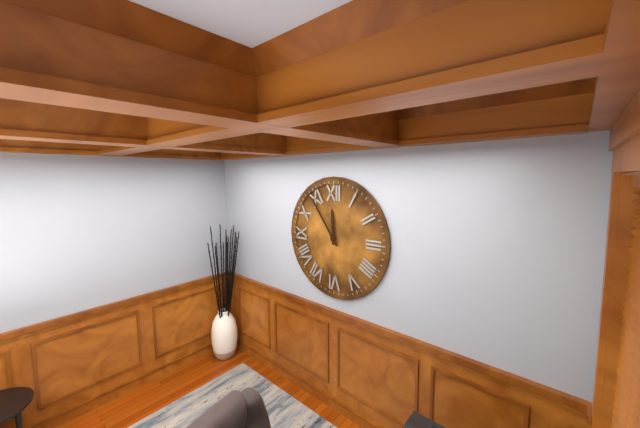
{"hour": 11, "minute": 54}
